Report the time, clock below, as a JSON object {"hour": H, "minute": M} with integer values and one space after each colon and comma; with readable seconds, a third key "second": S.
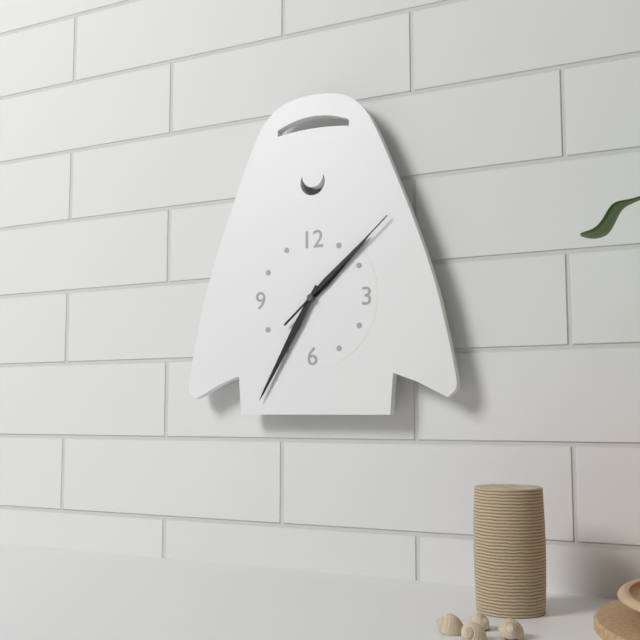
{"hour": 1, "minute": 35, "second": 8}
